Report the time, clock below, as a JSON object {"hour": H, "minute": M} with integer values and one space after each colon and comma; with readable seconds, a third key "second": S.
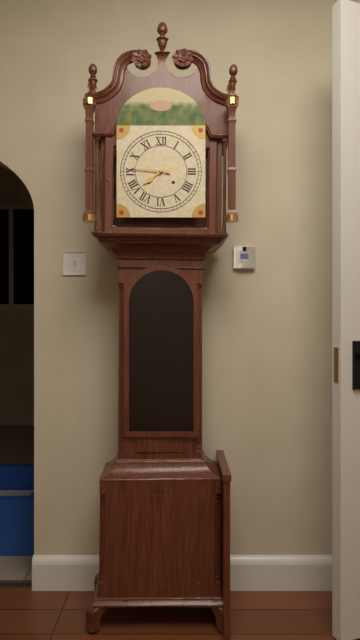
{"hour": 7, "minute": 46}
